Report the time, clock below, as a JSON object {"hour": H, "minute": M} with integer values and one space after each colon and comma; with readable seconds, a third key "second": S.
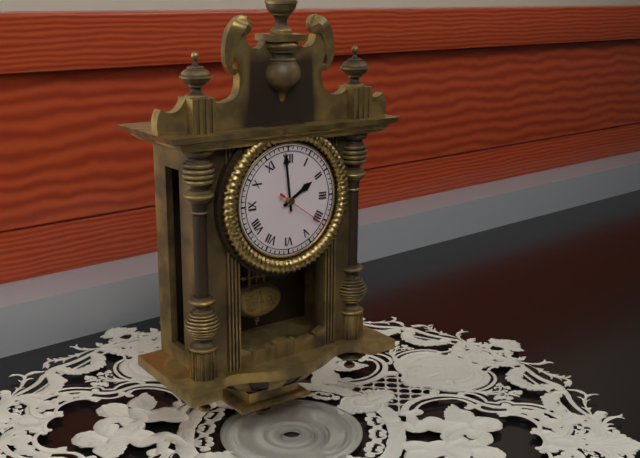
{"hour": 1, "minute": 59, "second": 21}
